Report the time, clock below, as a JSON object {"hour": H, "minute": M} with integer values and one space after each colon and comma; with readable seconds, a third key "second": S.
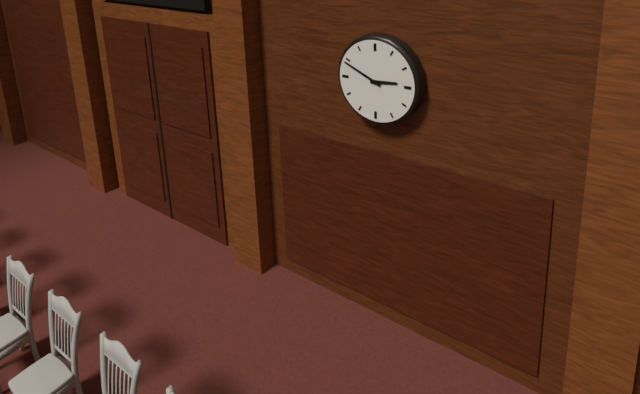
{"hour": 2, "minute": 49}
